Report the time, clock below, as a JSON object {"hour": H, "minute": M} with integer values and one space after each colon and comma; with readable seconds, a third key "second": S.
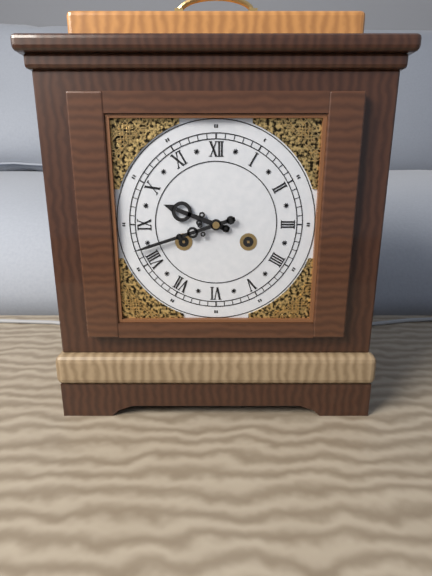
{"hour": 9, "minute": 42}
